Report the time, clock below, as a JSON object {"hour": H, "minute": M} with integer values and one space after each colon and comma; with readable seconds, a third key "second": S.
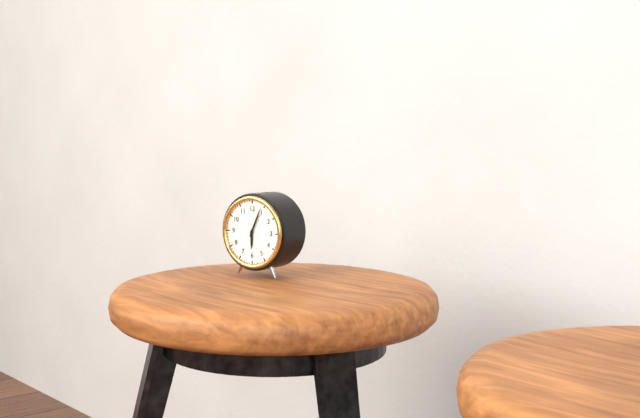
{"hour": 6, "minute": 4}
